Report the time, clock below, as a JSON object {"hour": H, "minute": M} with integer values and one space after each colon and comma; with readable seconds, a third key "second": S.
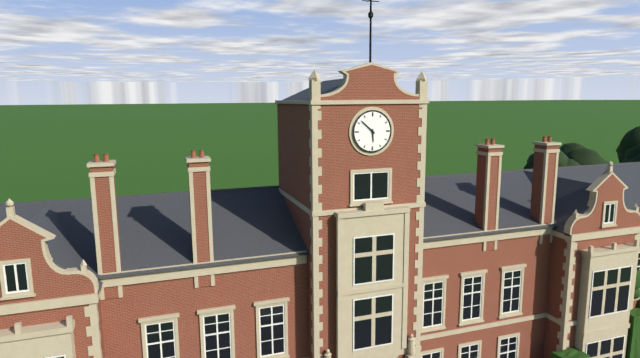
{"hour": 5, "minute": 52}
